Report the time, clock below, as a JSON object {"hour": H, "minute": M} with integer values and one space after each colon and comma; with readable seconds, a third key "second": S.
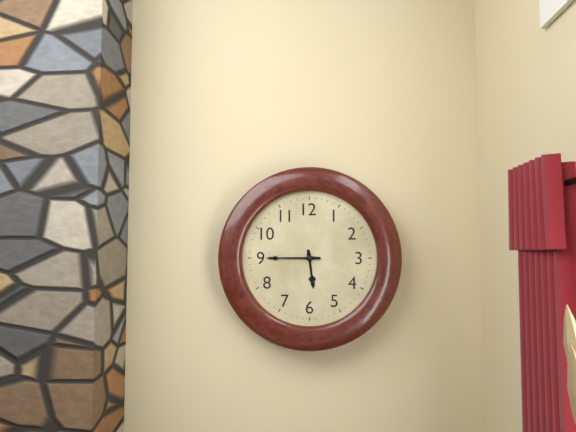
{"hour": 5, "minute": 45}
